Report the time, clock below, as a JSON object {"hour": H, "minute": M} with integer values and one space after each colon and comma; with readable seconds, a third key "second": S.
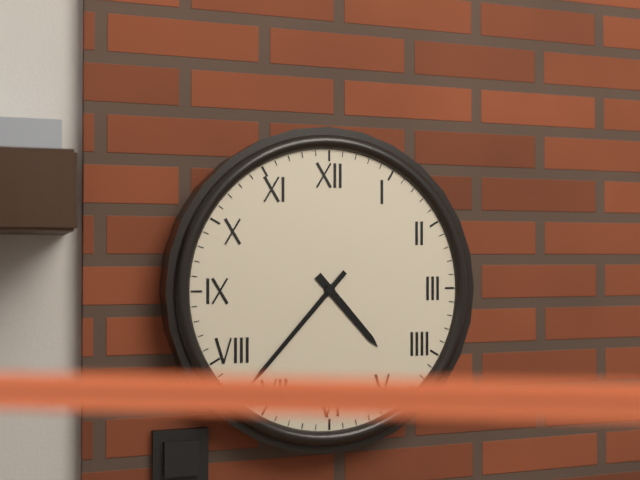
{"hour": 4, "minute": 37}
